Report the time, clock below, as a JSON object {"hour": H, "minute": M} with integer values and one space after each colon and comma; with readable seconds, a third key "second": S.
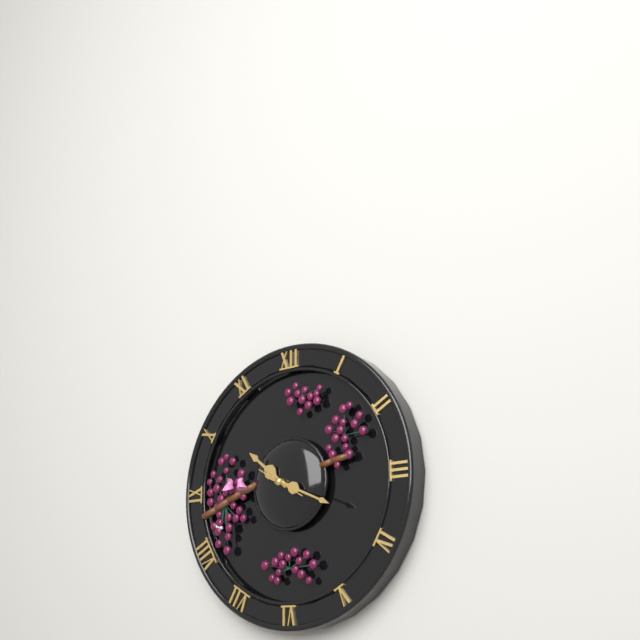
{"hour": 10, "minute": 19}
